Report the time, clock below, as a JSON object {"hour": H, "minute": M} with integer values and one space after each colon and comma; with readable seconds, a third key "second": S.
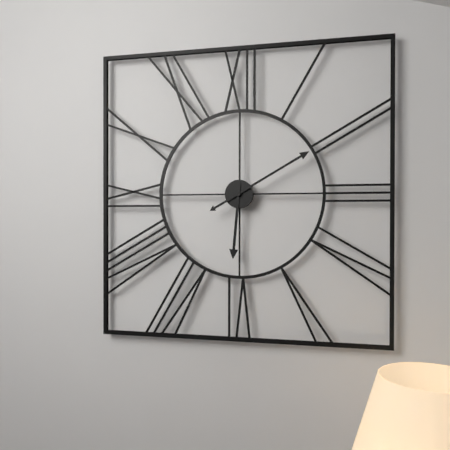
{"hour": 6, "minute": 10}
